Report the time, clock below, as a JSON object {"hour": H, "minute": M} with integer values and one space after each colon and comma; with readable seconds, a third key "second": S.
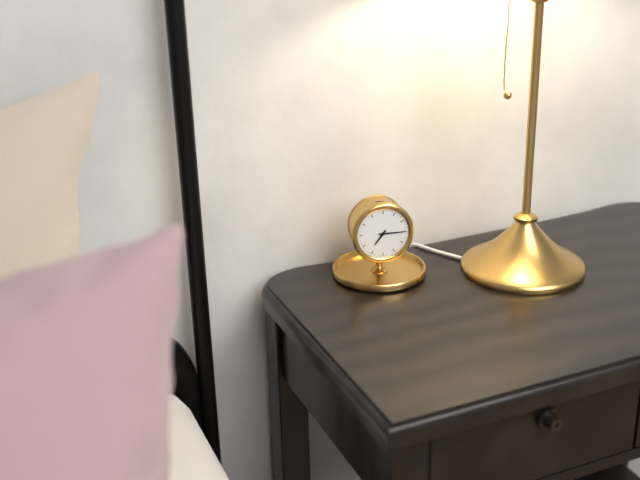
{"hour": 7, "minute": 15}
